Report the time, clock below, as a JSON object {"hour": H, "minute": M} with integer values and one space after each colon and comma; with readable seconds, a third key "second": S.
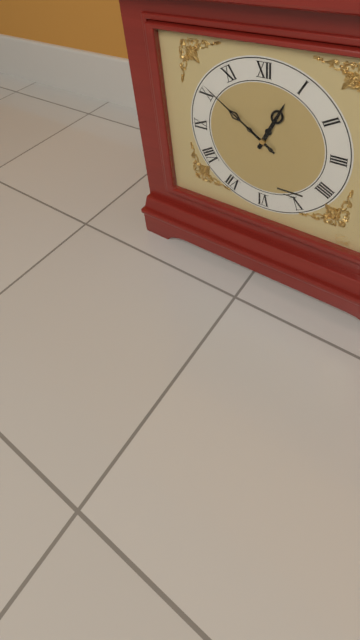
{"hour": 12, "minute": 51}
